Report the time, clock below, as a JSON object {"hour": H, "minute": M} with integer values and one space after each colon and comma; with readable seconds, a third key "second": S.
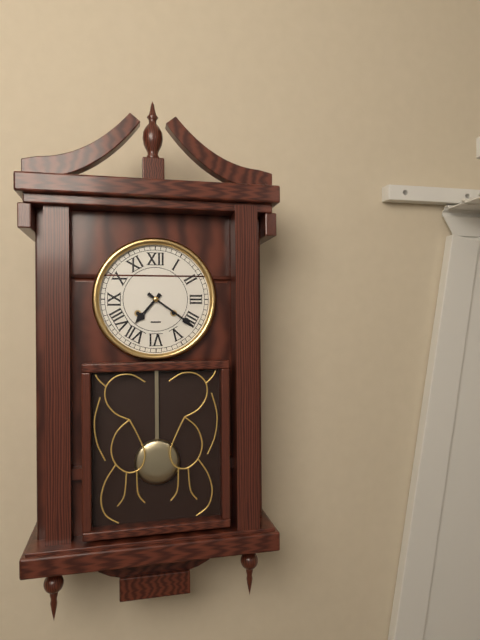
{"hour": 7, "minute": 21}
